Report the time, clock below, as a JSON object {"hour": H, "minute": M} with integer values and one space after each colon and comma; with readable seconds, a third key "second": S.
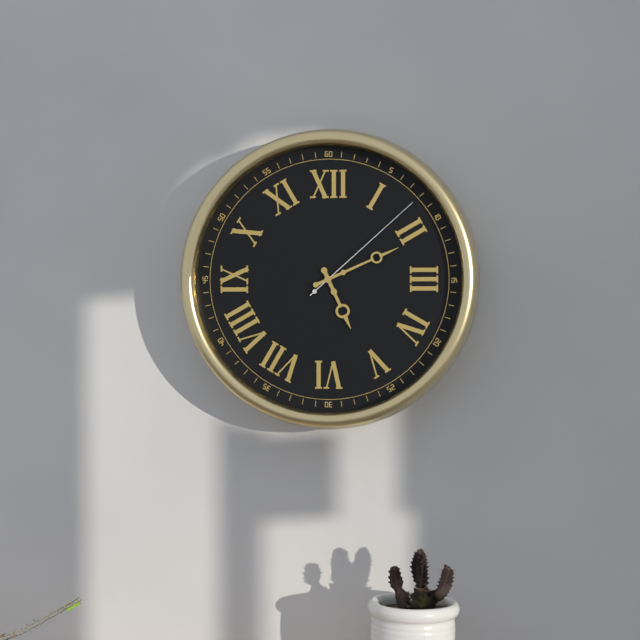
{"hour": 5, "minute": 11, "second": 8}
